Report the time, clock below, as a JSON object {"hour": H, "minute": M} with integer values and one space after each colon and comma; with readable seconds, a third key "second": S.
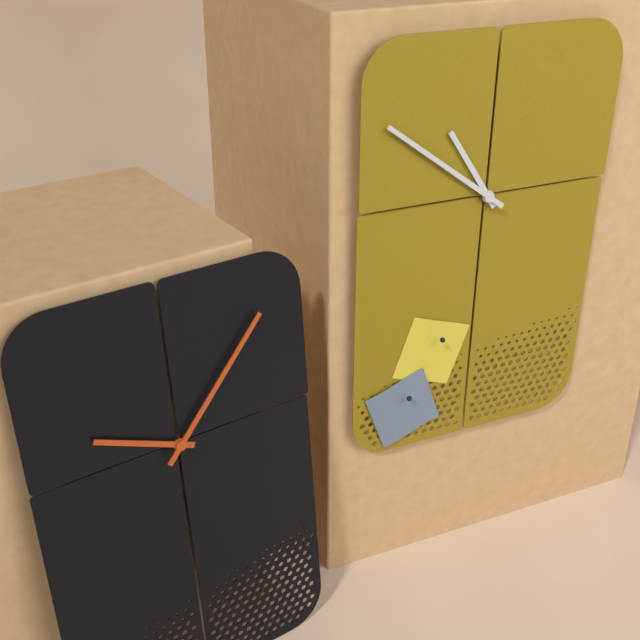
{"hour": 10, "minute": 51}
